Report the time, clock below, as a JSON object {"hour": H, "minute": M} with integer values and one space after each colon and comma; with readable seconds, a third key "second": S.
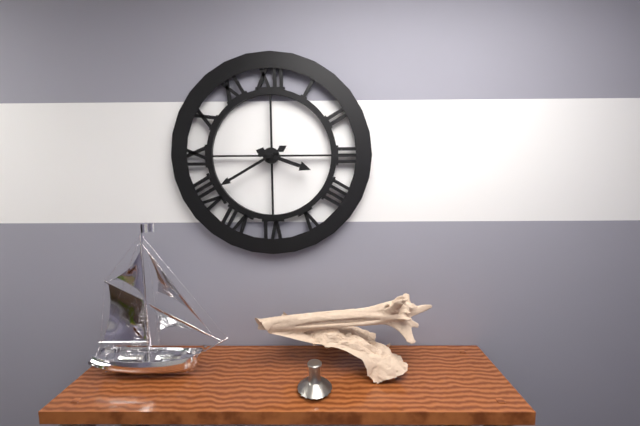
{"hour": 3, "minute": 40}
